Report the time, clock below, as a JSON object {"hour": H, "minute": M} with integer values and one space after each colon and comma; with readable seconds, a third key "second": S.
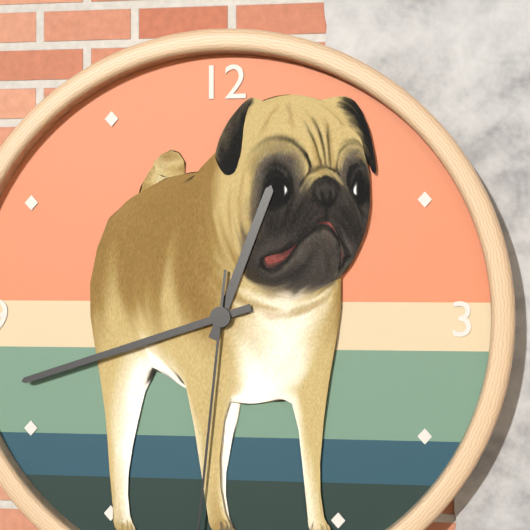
{"hour": 12, "minute": 42}
